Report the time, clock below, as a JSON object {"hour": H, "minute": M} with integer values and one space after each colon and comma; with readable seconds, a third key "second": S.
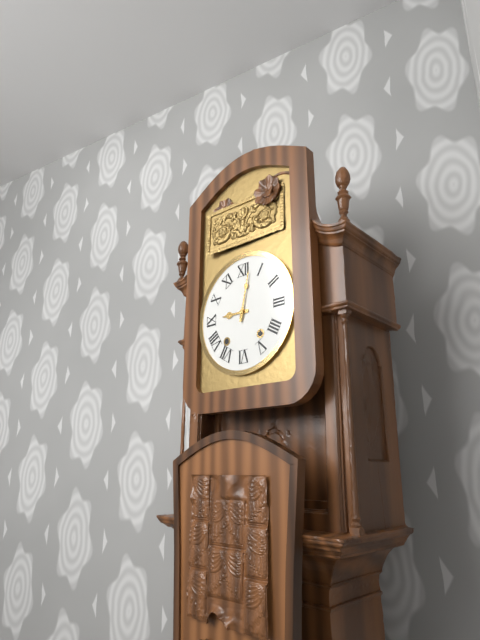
{"hour": 9, "minute": 2}
